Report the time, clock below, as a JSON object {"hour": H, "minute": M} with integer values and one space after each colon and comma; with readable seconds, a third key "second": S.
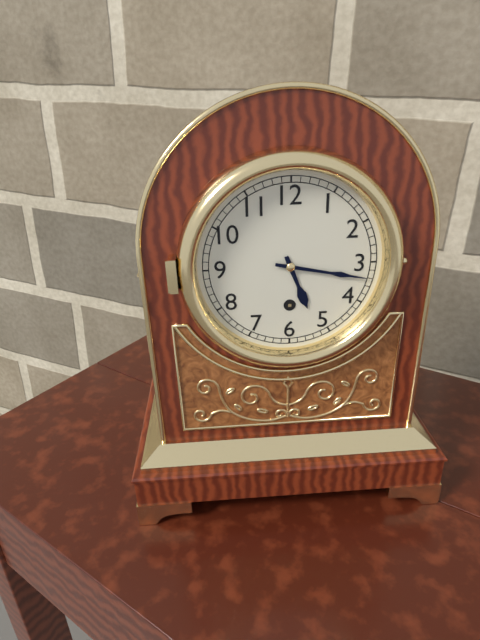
{"hour": 5, "minute": 17}
